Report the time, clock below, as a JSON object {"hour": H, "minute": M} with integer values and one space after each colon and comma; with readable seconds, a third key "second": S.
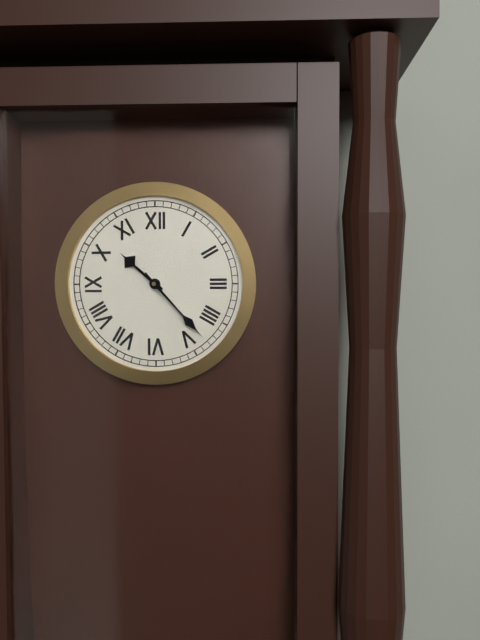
{"hour": 10, "minute": 23}
